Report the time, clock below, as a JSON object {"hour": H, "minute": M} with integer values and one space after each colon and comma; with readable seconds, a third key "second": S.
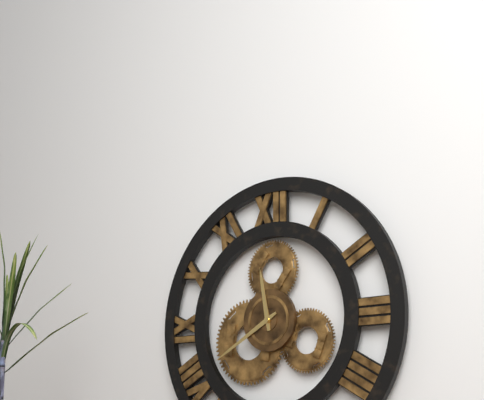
{"hour": 11, "minute": 40}
